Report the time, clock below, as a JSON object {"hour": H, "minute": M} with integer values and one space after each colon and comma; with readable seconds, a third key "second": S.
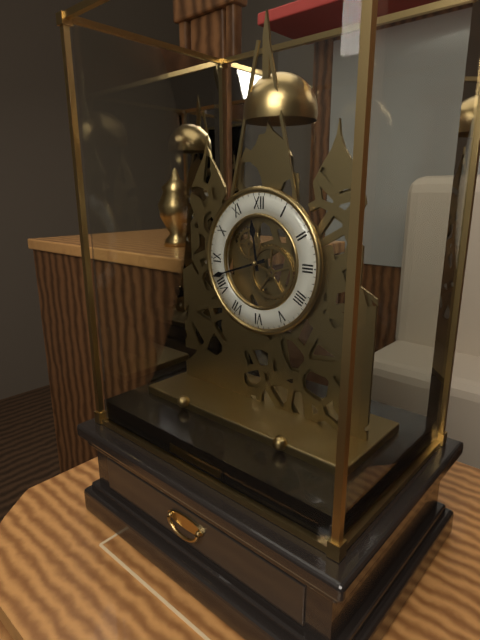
{"hour": 11, "minute": 42}
